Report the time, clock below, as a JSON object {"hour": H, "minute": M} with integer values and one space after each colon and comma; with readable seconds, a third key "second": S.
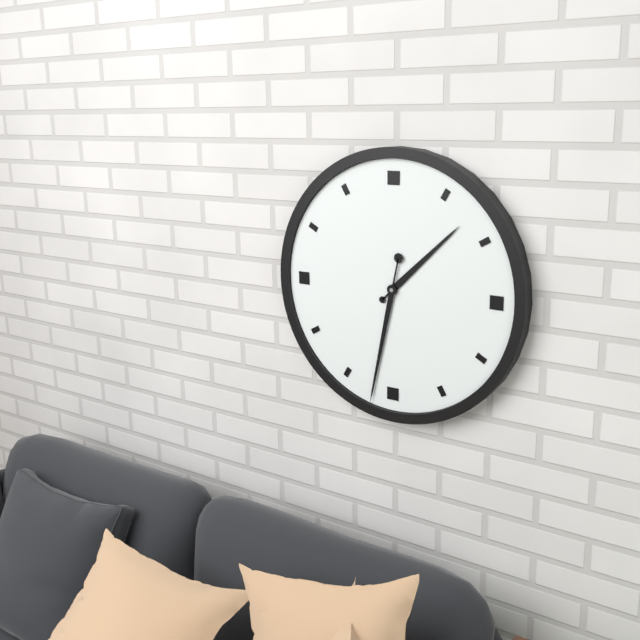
{"hour": 1, "minute": 32}
